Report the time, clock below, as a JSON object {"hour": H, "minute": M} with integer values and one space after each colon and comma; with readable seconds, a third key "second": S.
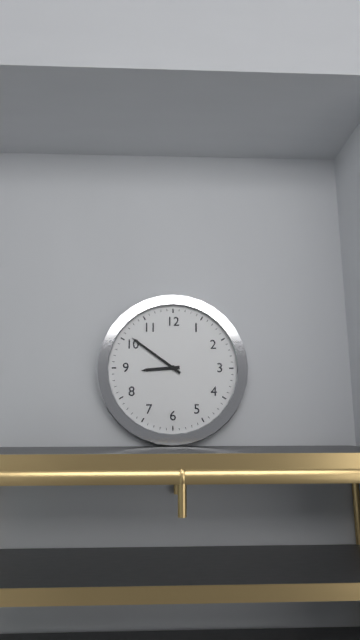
{"hour": 8, "minute": 51}
